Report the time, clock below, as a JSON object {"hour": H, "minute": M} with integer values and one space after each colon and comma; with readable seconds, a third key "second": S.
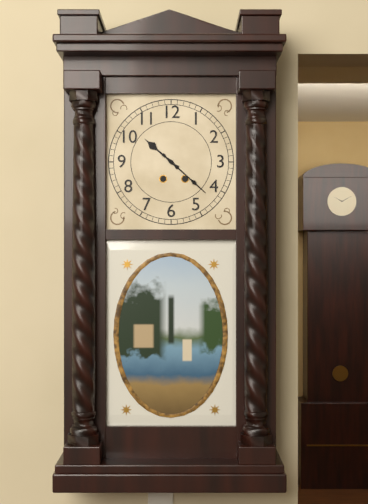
{"hour": 10, "minute": 22}
